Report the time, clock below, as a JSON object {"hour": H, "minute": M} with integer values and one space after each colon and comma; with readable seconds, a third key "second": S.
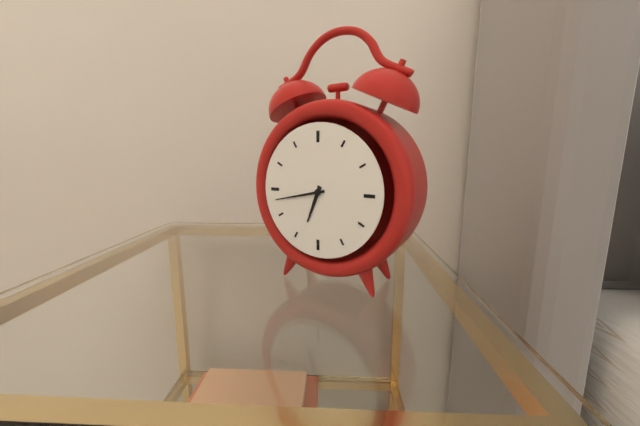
{"hour": 6, "minute": 43}
